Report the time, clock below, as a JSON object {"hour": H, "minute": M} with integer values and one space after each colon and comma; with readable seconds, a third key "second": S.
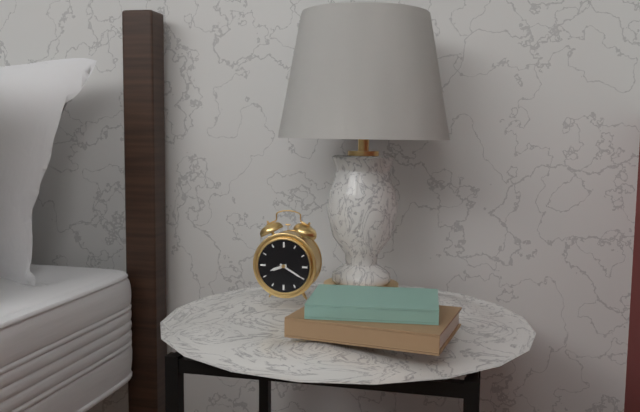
{"hour": 8, "minute": 20}
